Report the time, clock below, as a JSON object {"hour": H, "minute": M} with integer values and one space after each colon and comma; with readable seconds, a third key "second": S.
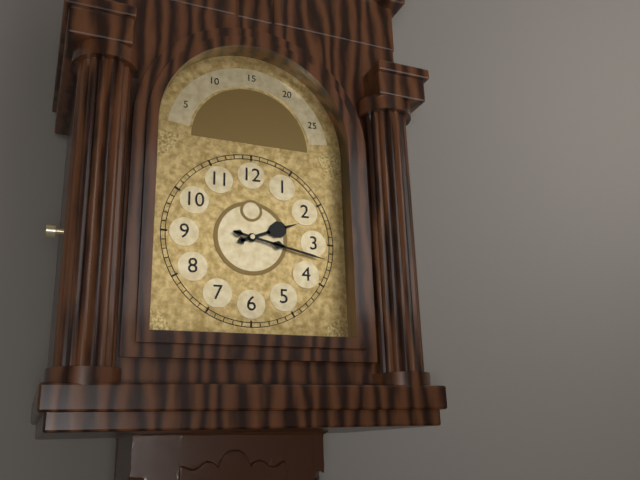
{"hour": 2, "minute": 17}
